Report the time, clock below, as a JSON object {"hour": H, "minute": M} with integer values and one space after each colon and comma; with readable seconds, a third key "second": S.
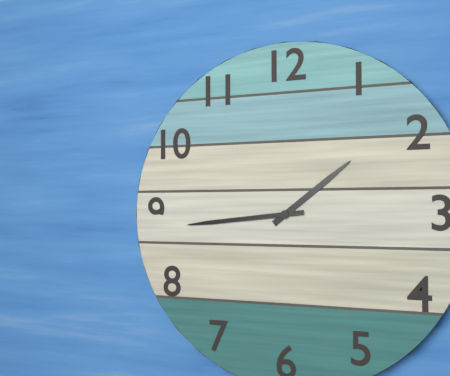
{"hour": 1, "minute": 44}
